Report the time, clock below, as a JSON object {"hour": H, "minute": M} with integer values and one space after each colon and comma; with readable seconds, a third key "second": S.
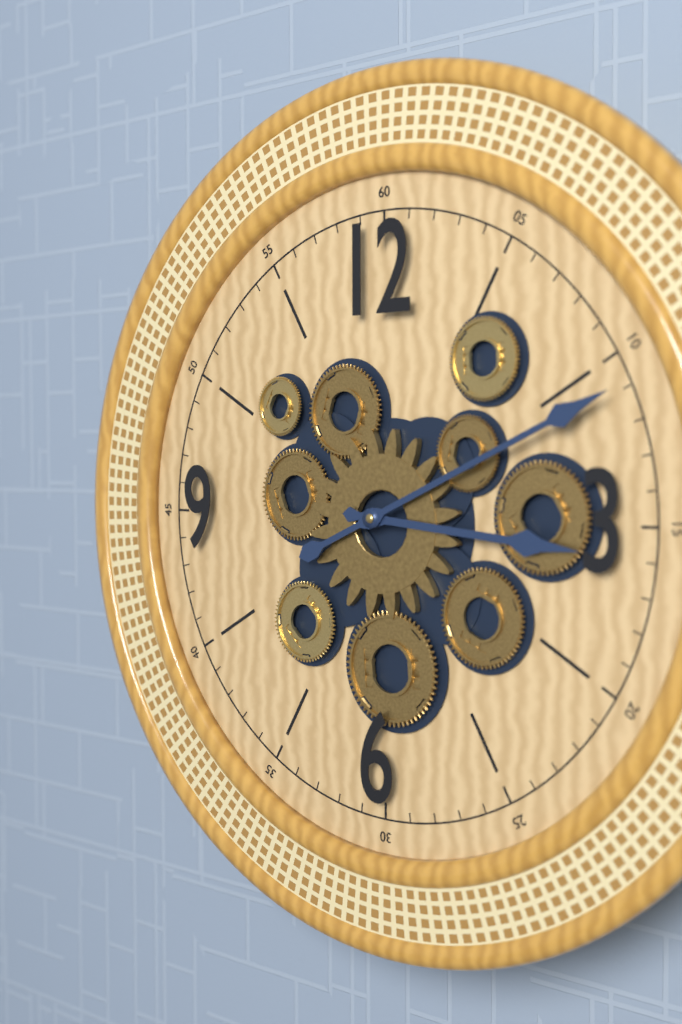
{"hour": 3, "minute": 11}
